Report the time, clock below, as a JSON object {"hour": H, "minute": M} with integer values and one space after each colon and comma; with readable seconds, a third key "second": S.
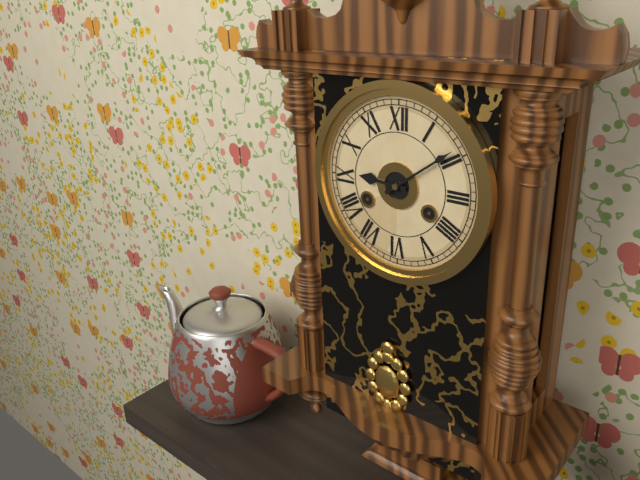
{"hour": 9, "minute": 9}
